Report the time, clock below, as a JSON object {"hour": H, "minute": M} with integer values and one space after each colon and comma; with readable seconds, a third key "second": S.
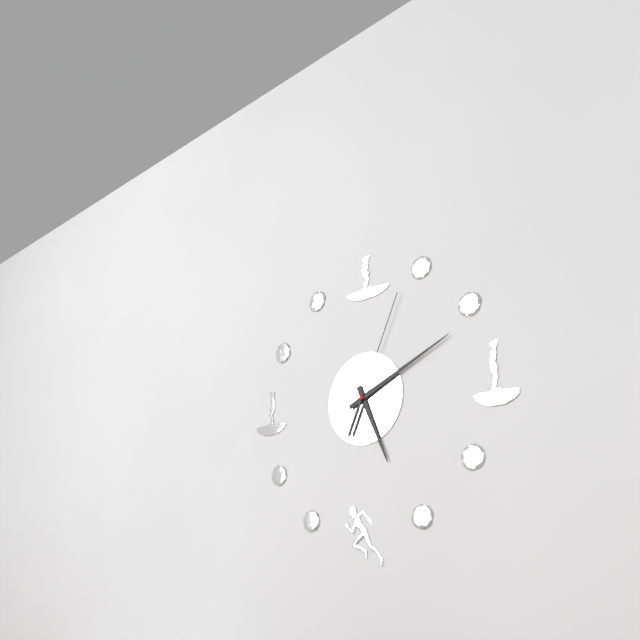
{"hour": 5, "minute": 11, "second": 4}
